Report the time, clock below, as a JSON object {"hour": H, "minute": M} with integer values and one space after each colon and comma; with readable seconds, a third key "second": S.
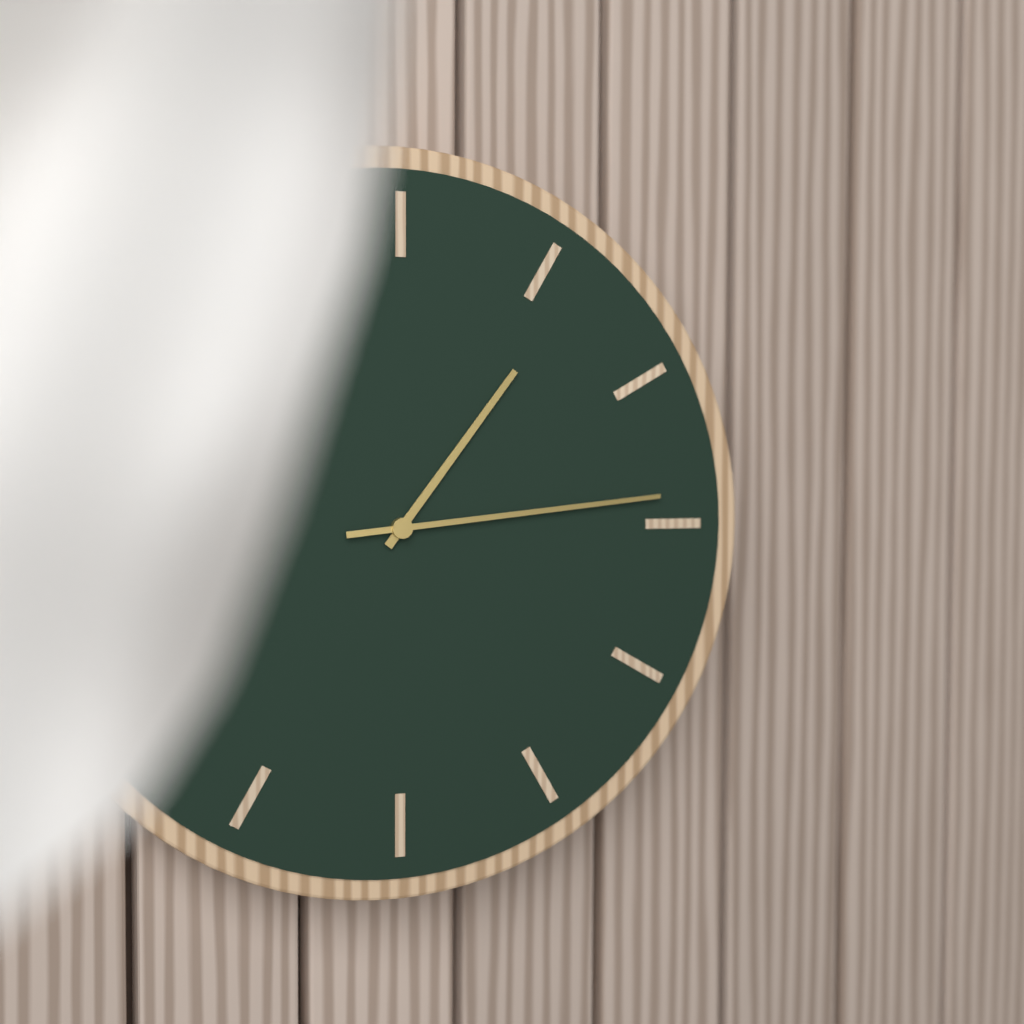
{"hour": 1, "minute": 14}
